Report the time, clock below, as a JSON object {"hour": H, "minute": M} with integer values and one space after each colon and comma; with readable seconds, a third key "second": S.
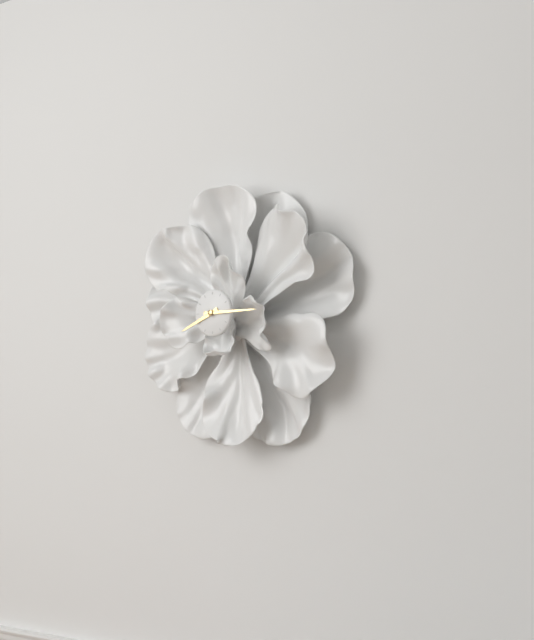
{"hour": 8, "minute": 15}
